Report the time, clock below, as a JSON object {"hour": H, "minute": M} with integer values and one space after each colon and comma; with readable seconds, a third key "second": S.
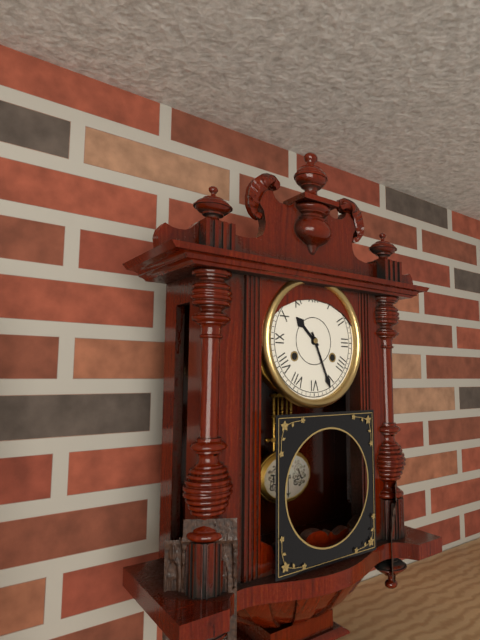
{"hour": 10, "minute": 26}
